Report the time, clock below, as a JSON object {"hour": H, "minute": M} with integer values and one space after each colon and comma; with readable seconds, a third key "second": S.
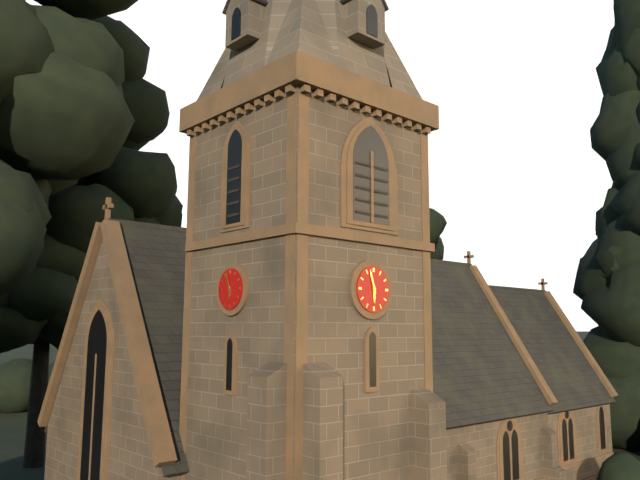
{"hour": 5, "minute": 57}
